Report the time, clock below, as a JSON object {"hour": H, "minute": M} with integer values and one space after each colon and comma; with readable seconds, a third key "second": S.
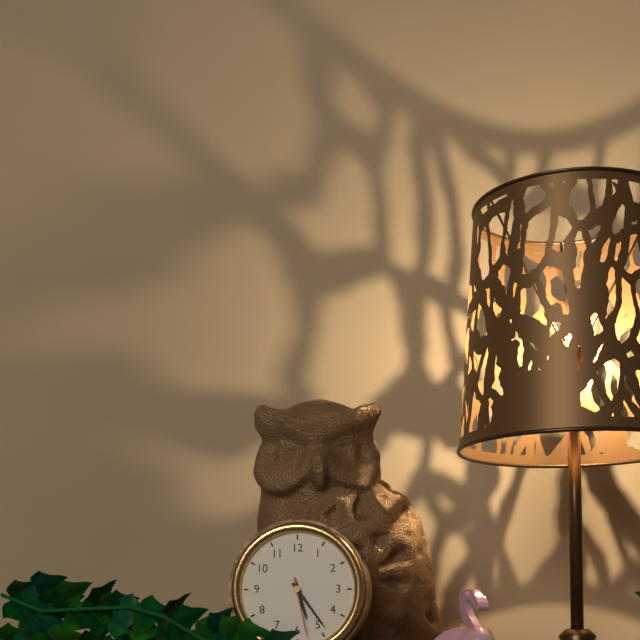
{"hour": 5, "minute": 24, "second": 28}
